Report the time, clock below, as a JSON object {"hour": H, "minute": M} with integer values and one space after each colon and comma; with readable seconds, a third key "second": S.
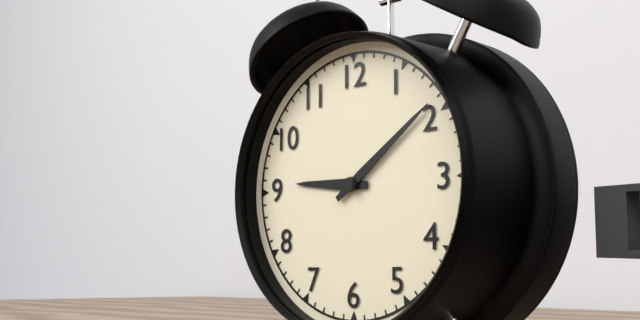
{"hour": 9, "minute": 9}
